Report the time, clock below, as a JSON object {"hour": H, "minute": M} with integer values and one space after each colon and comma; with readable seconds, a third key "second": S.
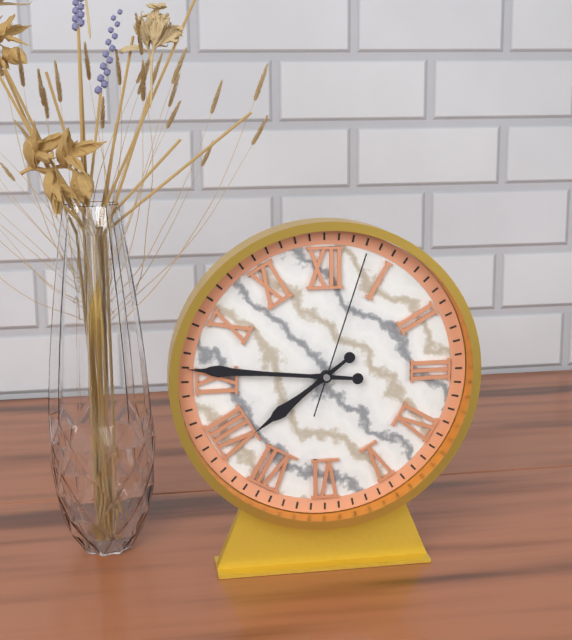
{"hour": 7, "minute": 46, "second": 3}
